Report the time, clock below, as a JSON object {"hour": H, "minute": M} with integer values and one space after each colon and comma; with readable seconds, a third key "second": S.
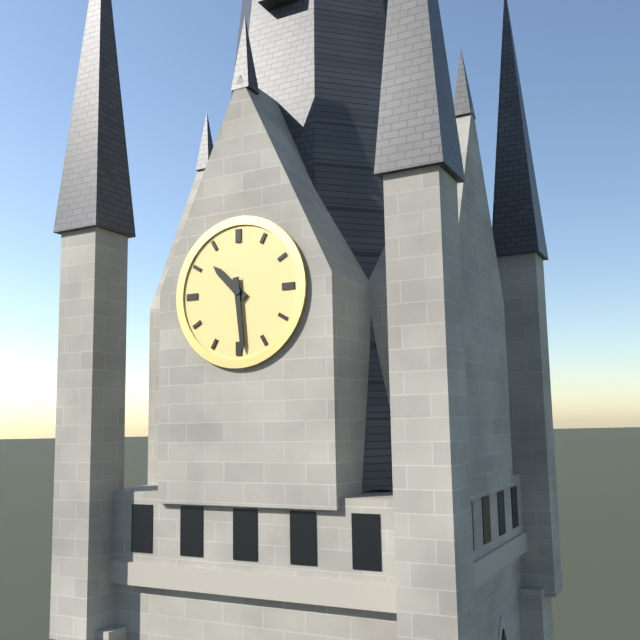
{"hour": 10, "minute": 29}
